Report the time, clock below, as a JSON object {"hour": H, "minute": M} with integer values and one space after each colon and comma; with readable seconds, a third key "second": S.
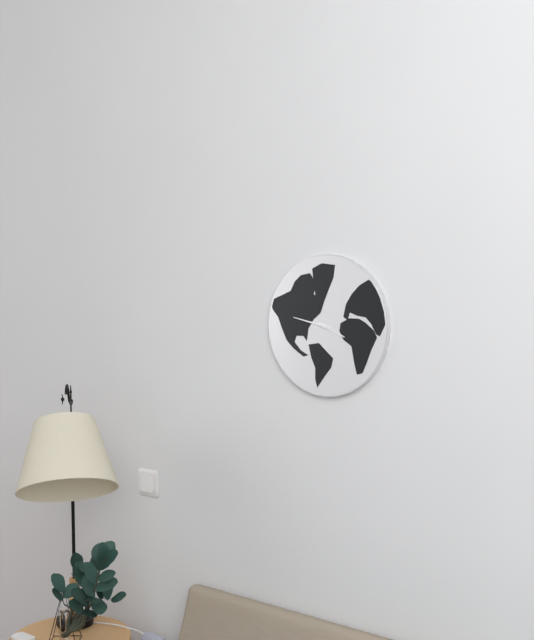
{"hour": 3, "minute": 47}
